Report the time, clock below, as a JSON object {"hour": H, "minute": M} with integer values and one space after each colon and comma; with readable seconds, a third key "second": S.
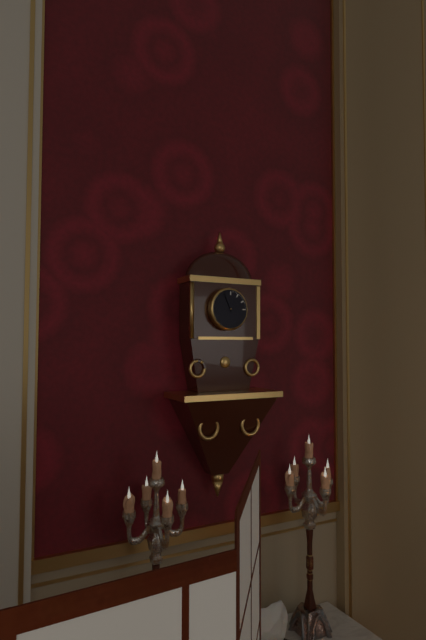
{"hour": 1, "minute": 56}
